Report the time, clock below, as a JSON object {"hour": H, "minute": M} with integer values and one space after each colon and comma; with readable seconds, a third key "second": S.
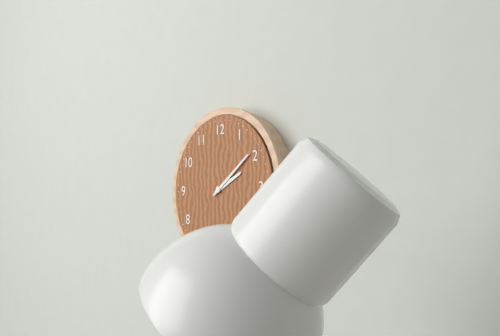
{"hour": 2, "minute": 9}
